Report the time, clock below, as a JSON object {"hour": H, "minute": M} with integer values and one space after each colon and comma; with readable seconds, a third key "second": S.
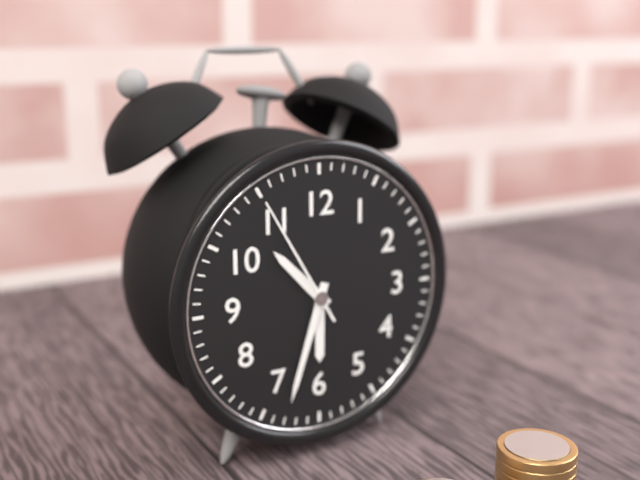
{"hour": 10, "minute": 33, "second": 55}
